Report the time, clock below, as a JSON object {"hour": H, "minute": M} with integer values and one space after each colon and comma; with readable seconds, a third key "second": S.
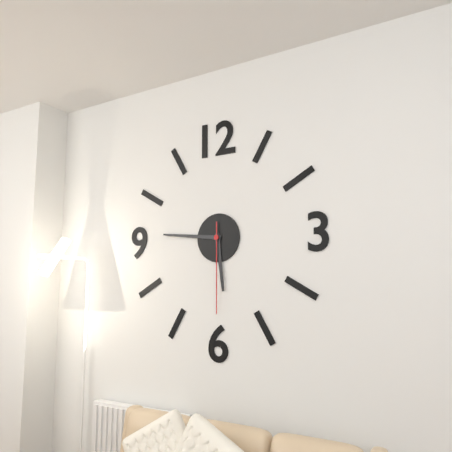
{"hour": 5, "minute": 46, "second": 30}
